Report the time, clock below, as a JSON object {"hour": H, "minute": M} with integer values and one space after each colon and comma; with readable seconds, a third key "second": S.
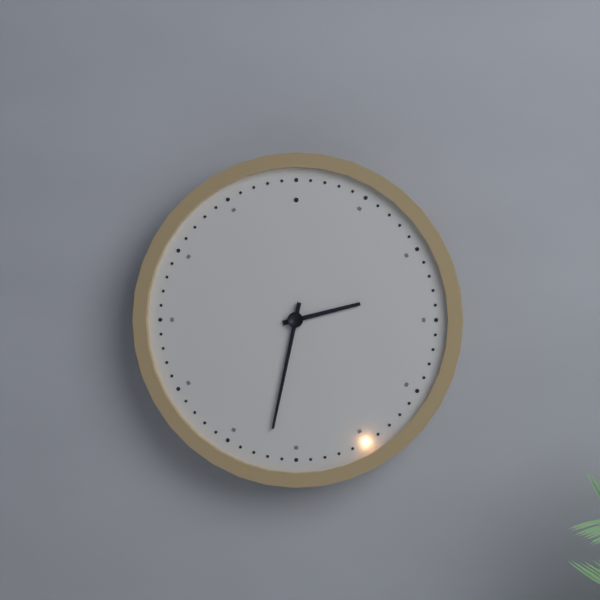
{"hour": 2, "minute": 32}
